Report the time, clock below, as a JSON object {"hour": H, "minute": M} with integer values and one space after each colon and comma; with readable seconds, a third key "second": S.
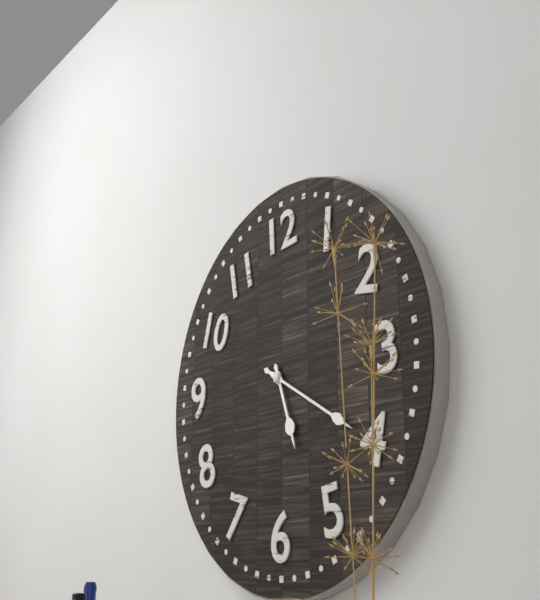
{"hour": 5, "minute": 20}
